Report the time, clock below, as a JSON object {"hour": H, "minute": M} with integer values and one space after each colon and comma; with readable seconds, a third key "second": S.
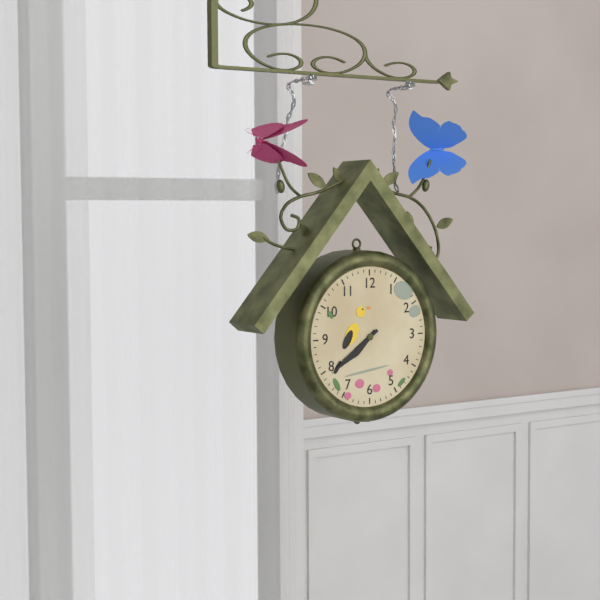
{"hour": 7, "minute": 39}
